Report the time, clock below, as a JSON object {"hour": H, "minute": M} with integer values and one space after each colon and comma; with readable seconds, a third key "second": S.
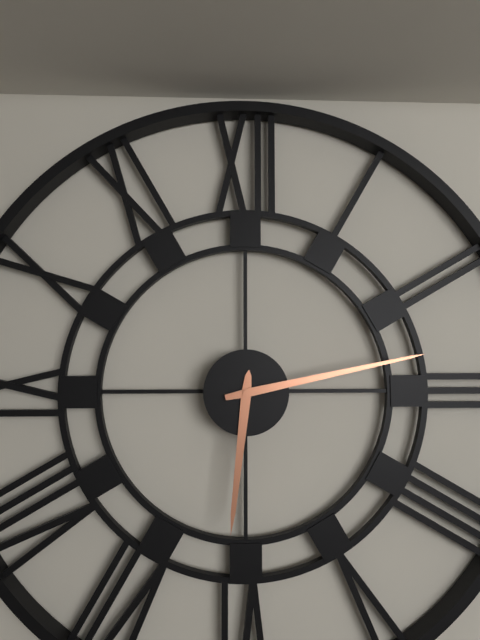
{"hour": 6, "minute": 13}
